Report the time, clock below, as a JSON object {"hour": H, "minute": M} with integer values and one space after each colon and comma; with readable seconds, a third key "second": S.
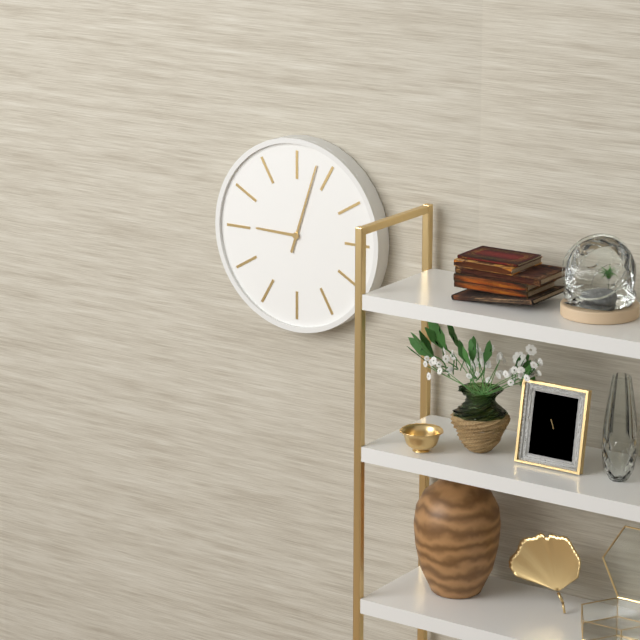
{"hour": 9, "minute": 3}
